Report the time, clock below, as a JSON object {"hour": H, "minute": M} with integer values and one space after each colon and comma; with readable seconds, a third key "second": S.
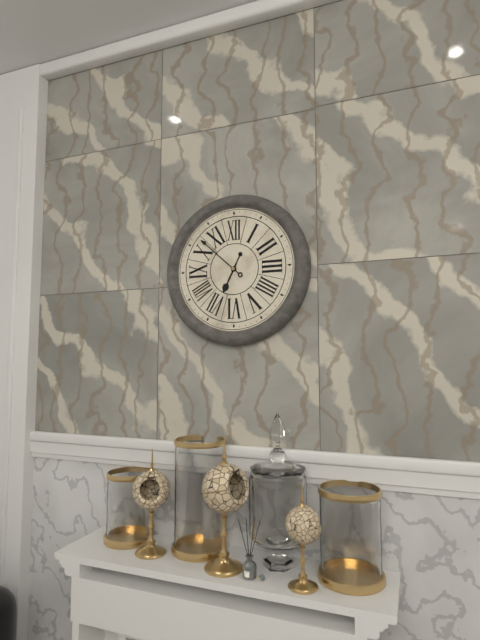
{"hour": 6, "minute": 52}
